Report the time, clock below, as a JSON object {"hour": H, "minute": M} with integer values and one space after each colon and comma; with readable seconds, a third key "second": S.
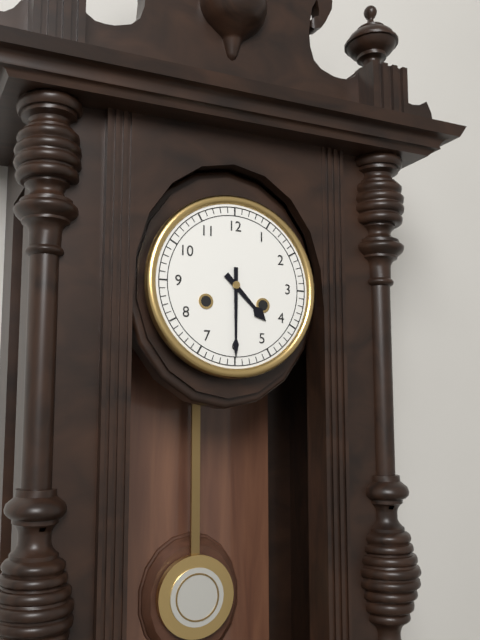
{"hour": 4, "minute": 30}
